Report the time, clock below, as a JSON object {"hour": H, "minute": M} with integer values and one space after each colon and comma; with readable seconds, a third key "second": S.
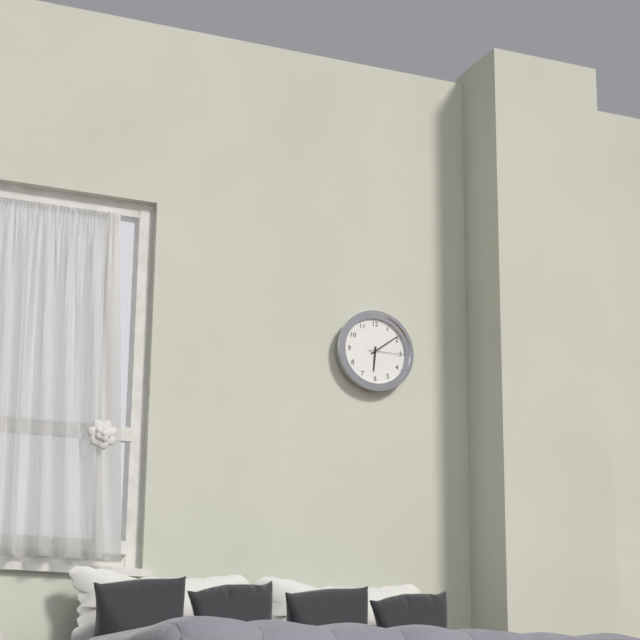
{"hour": 6, "minute": 9}
